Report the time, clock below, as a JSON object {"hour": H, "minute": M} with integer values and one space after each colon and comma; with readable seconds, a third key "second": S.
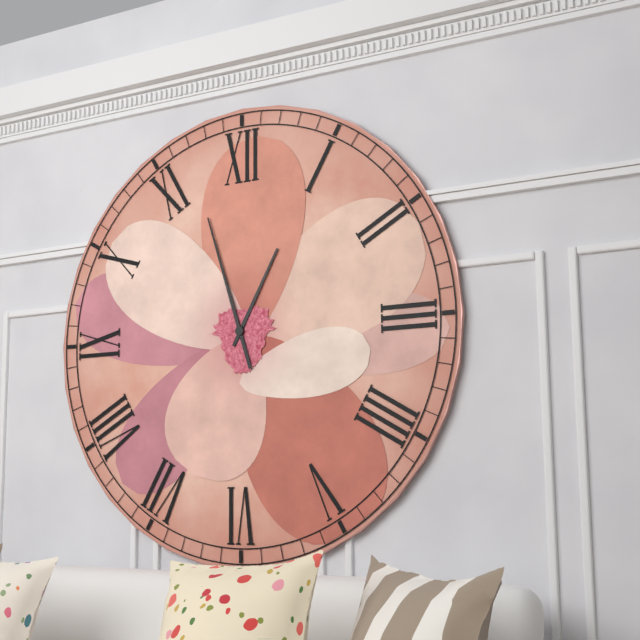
{"hour": 12, "minute": 57}
